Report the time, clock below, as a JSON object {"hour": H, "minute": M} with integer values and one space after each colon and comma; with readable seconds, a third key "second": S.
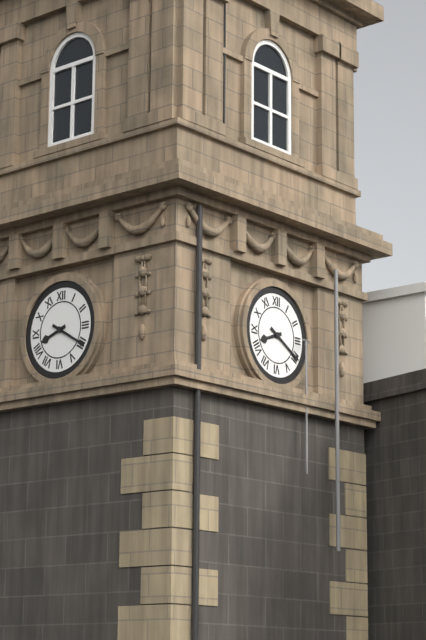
{"hour": 8, "minute": 20}
